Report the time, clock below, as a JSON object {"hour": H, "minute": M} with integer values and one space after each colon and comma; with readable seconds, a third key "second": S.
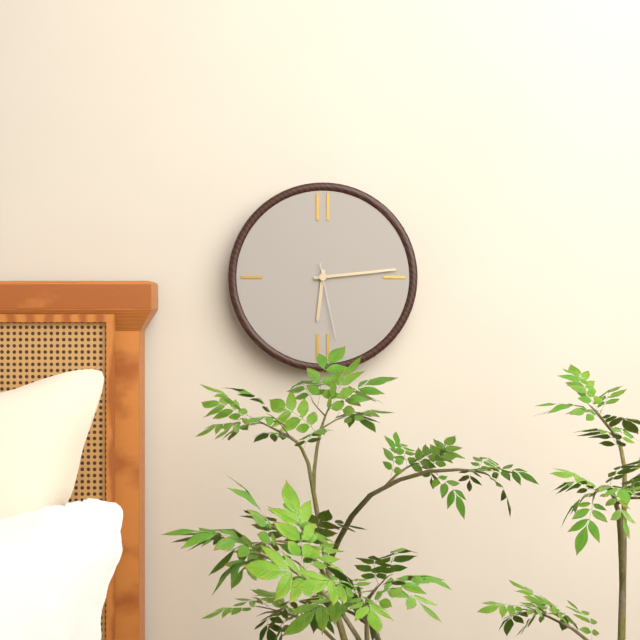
{"hour": 6, "minute": 14, "second": 28}
